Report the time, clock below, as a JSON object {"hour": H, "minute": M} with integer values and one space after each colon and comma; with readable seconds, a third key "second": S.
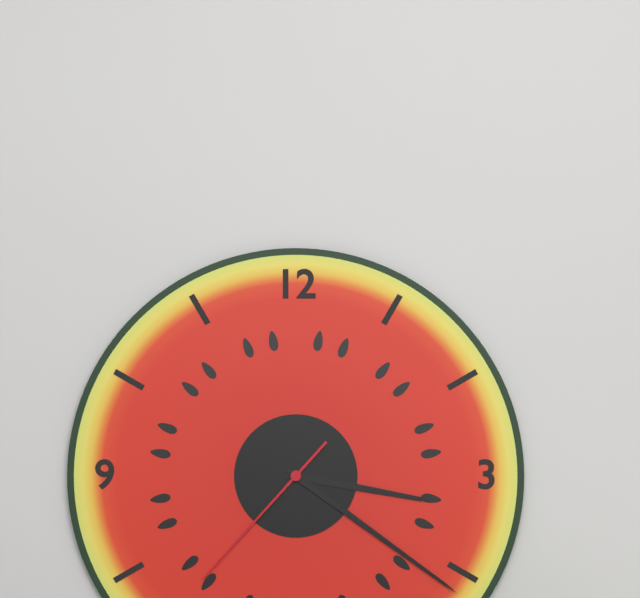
{"hour": 3, "minute": 21, "second": 37}
